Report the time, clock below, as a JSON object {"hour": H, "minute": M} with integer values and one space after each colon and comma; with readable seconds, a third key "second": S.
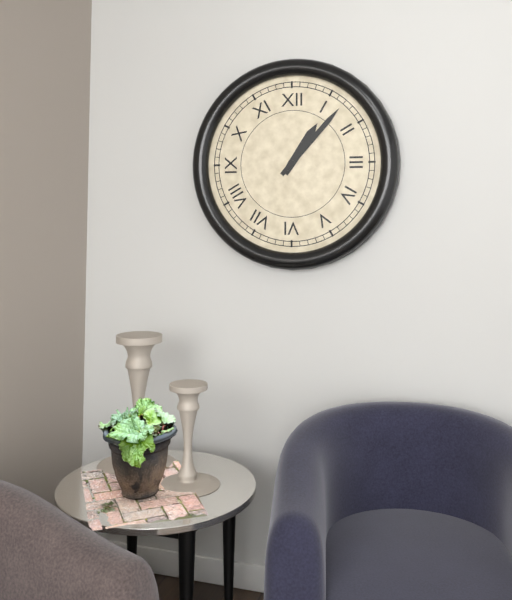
{"hour": 1, "minute": 7}
